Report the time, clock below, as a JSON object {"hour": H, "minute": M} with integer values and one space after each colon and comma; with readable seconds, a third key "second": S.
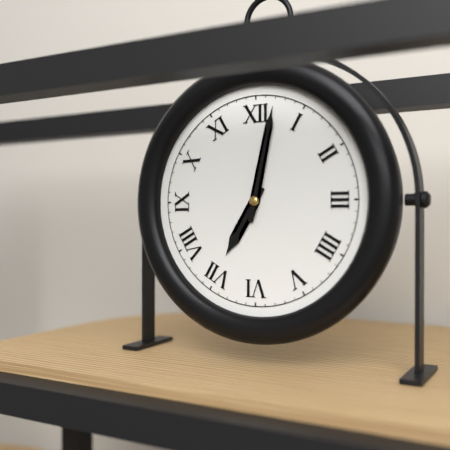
{"hour": 7, "minute": 2}
